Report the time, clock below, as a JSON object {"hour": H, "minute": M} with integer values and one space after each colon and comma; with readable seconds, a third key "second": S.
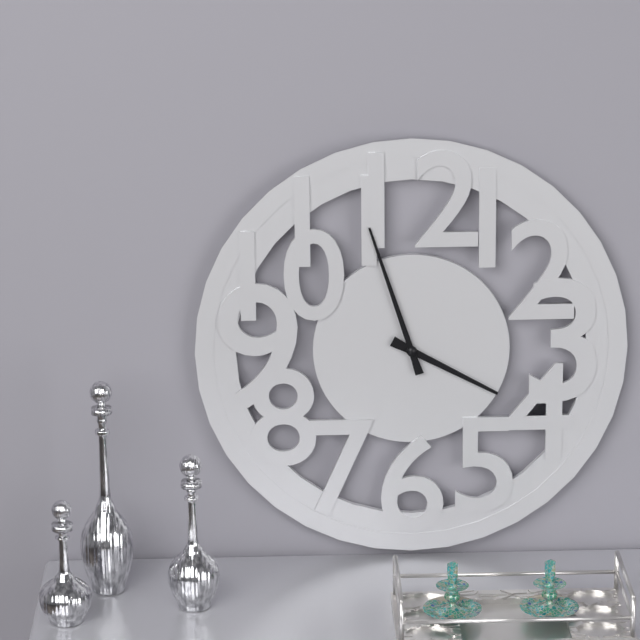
{"hour": 3, "minute": 57}
